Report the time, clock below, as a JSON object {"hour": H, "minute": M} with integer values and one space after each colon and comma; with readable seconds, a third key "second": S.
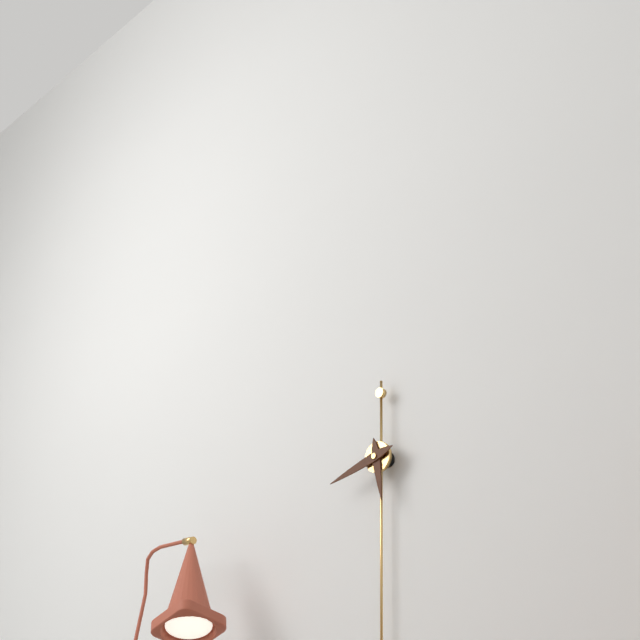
{"hour": 5, "minute": 42}
